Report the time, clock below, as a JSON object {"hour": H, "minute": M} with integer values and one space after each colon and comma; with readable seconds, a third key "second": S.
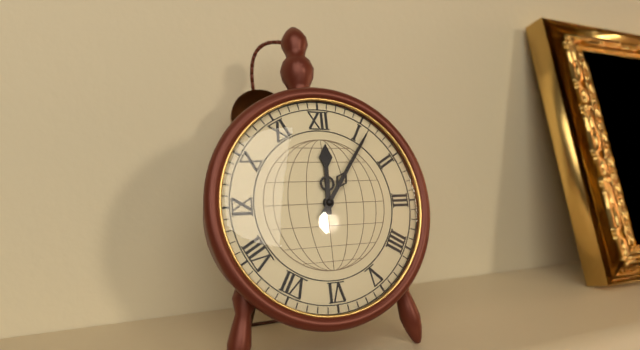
{"hour": 12, "minute": 6}
